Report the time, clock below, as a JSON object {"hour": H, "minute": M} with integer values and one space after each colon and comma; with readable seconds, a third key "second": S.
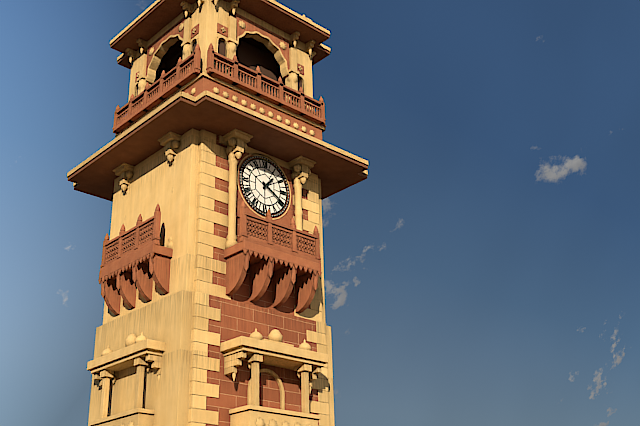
{"hour": 1, "minute": 20}
